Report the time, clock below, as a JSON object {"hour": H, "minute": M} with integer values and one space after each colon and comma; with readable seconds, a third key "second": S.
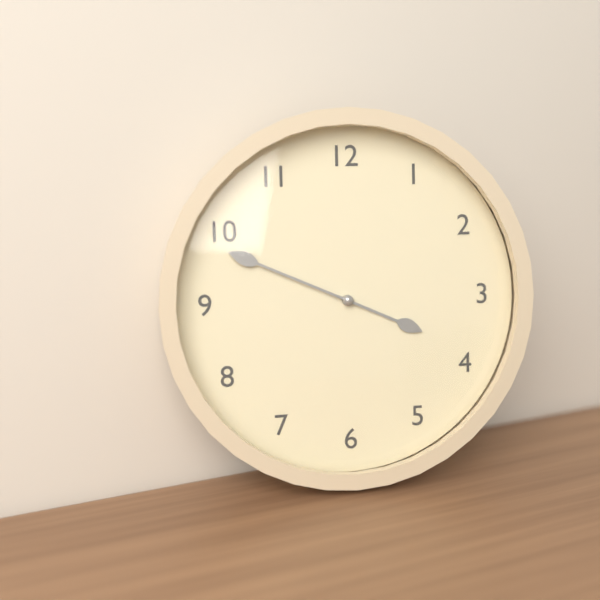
{"hour": 3, "minute": 49}
